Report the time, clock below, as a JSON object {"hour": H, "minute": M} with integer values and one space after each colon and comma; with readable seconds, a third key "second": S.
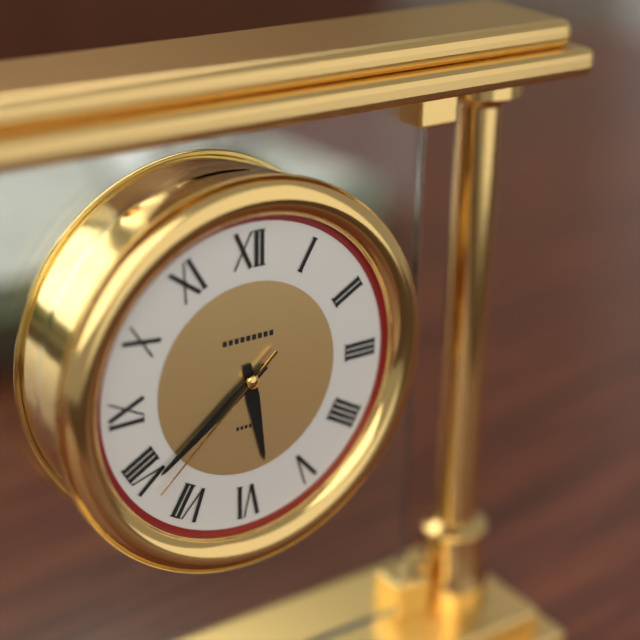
{"hour": 5, "minute": 39, "second": 38}
